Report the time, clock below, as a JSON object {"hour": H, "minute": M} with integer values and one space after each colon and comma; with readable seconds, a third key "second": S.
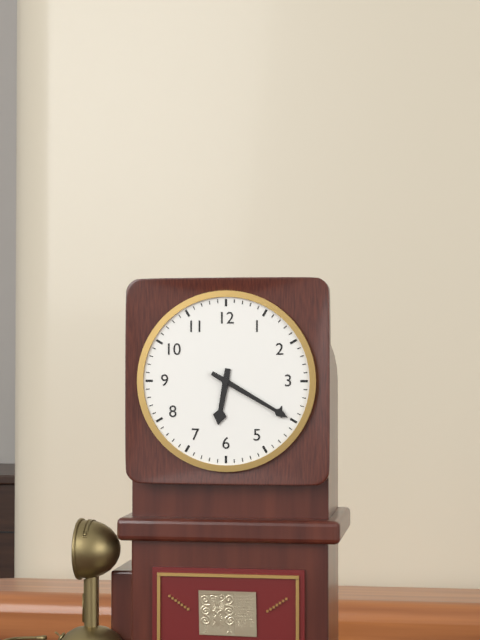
{"hour": 6, "minute": 20}
